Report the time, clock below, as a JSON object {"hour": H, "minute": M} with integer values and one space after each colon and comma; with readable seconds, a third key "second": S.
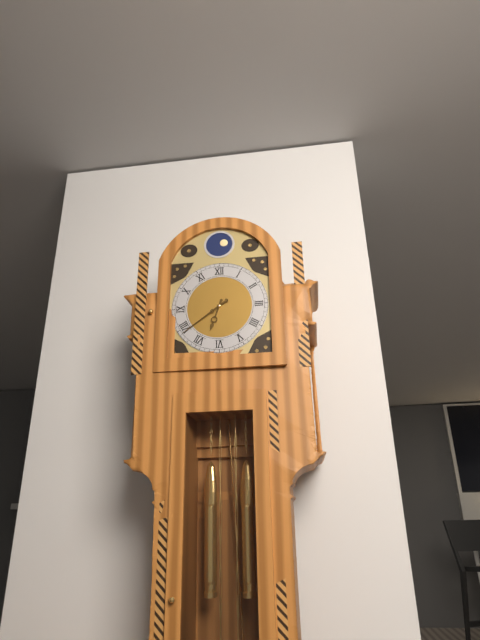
{"hour": 6, "minute": 39}
